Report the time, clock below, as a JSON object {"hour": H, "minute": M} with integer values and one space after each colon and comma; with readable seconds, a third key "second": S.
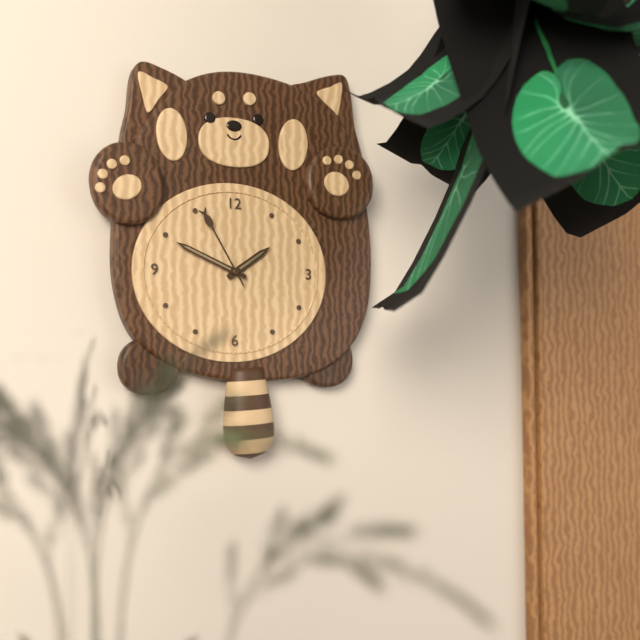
{"hour": 1, "minute": 49, "second": 55}
